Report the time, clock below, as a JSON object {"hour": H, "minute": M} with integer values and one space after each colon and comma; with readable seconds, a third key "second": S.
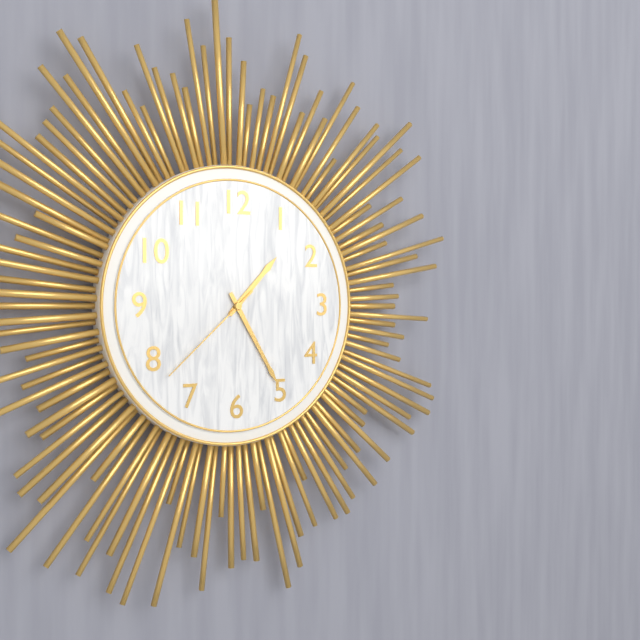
{"hour": 1, "minute": 25, "second": 38}
